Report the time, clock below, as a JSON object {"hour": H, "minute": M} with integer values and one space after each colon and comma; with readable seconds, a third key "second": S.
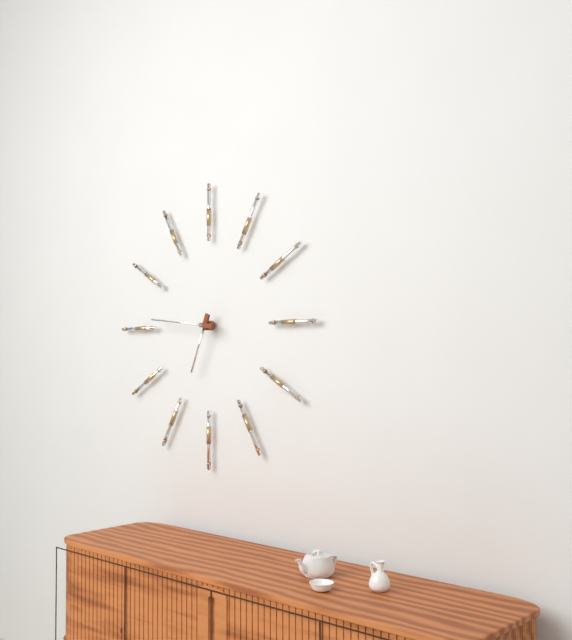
{"hour": 6, "minute": 46}
